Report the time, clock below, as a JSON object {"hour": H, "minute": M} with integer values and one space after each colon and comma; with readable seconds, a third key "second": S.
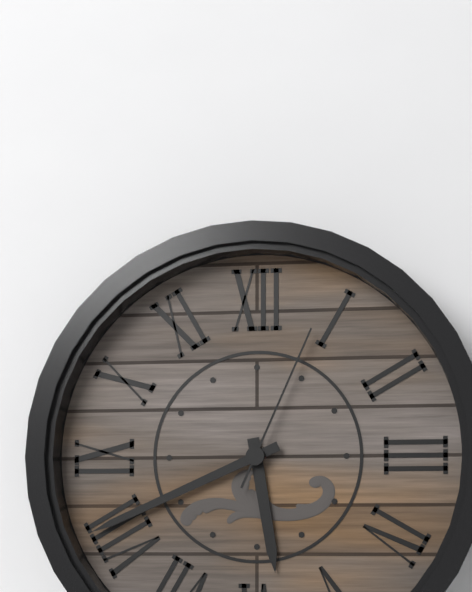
{"hour": 5, "minute": 41, "second": 4}
